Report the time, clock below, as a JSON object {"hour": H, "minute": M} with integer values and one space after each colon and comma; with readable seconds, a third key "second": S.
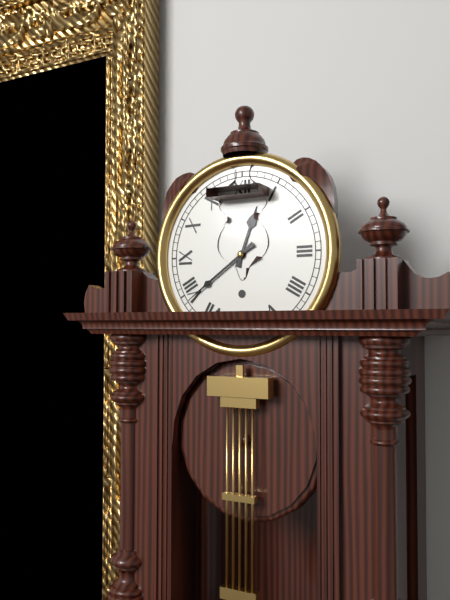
{"hour": 12, "minute": 39}
